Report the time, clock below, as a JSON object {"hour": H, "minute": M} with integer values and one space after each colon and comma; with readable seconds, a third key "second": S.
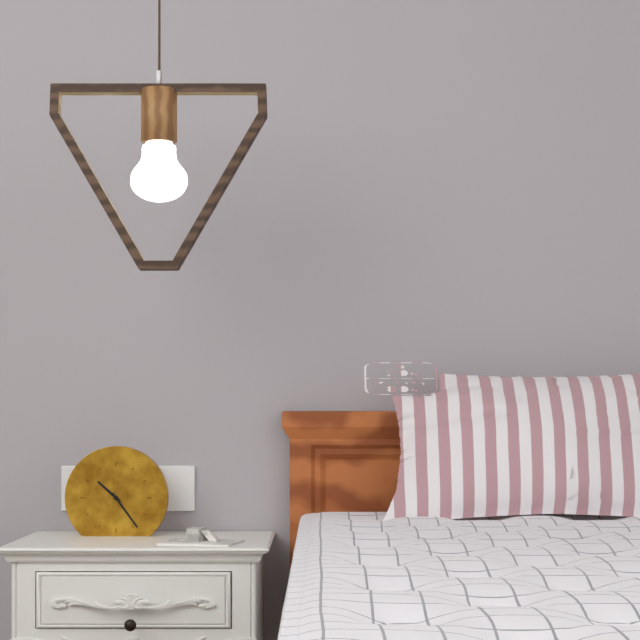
{"hour": 10, "minute": 24}
